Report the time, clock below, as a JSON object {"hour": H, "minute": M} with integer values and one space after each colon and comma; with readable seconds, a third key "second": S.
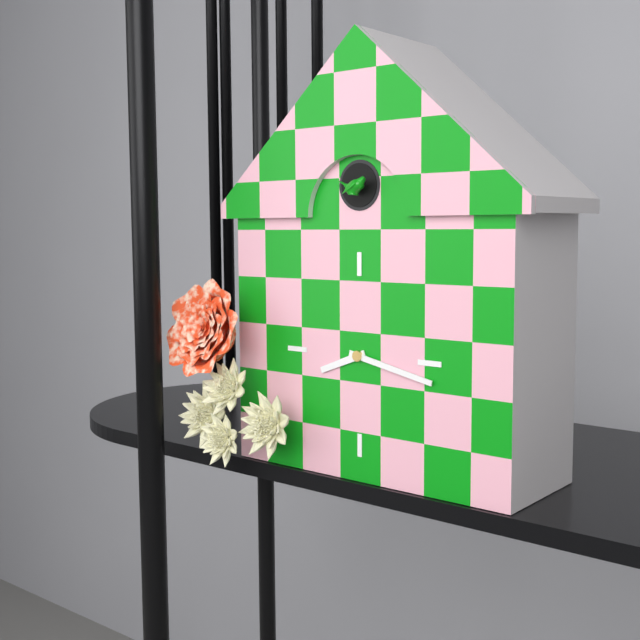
{"hour": 8, "minute": 17}
